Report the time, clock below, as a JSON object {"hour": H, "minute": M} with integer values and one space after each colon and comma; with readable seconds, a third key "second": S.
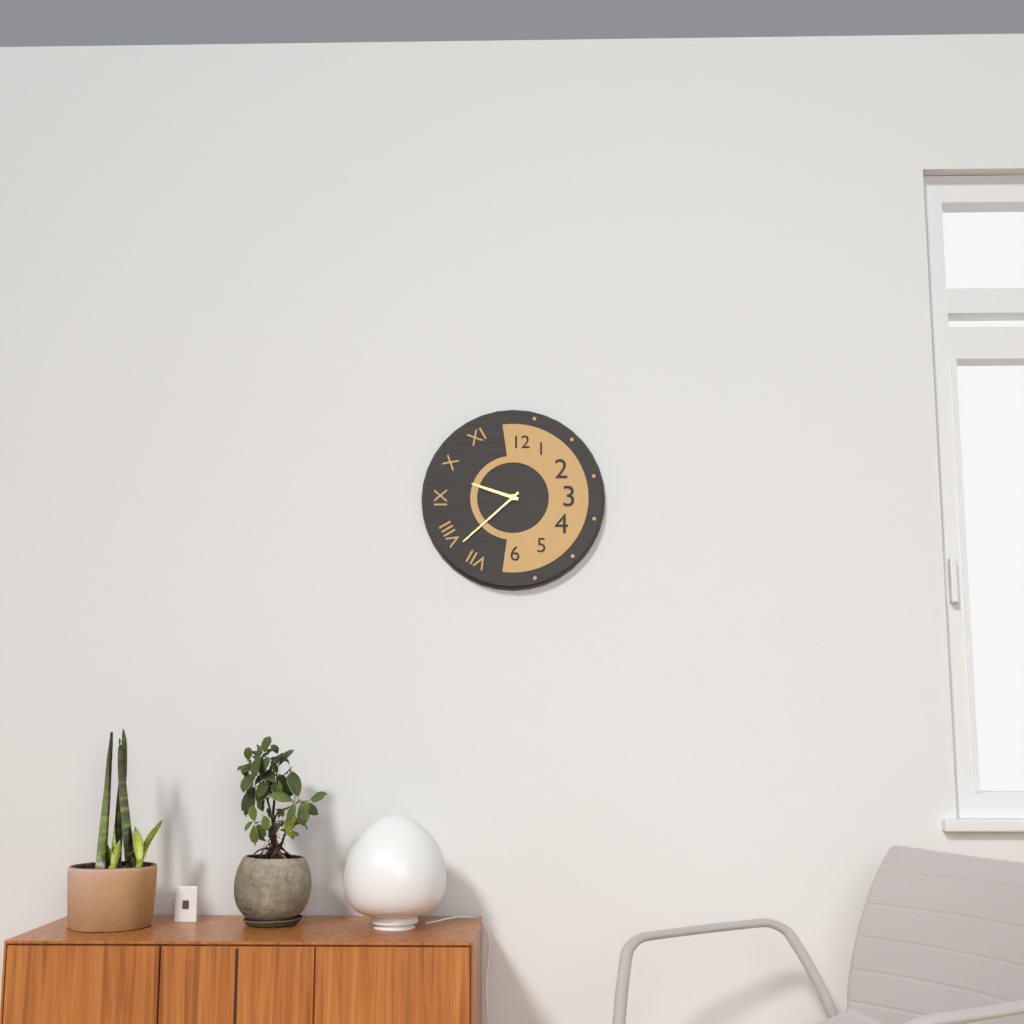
{"hour": 9, "minute": 38}
